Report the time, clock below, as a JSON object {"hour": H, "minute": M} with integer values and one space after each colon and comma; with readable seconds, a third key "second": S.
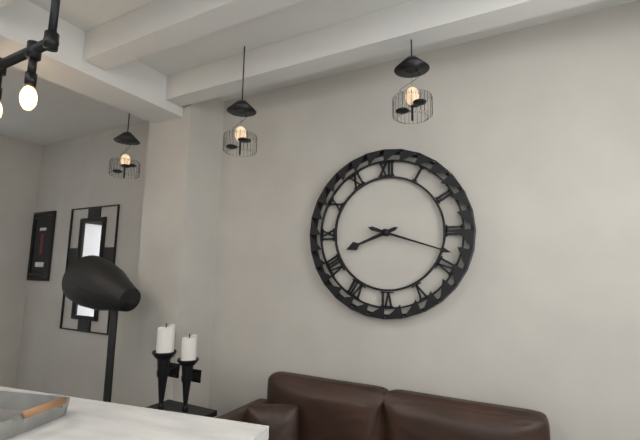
{"hour": 8, "minute": 18}
